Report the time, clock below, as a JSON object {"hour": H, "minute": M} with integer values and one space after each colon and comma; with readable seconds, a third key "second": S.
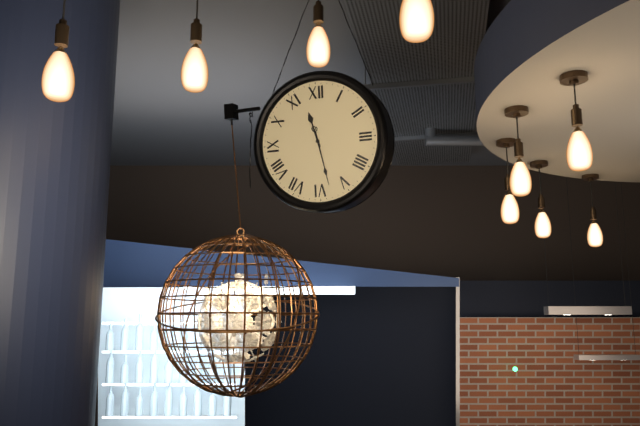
{"hour": 11, "minute": 28}
